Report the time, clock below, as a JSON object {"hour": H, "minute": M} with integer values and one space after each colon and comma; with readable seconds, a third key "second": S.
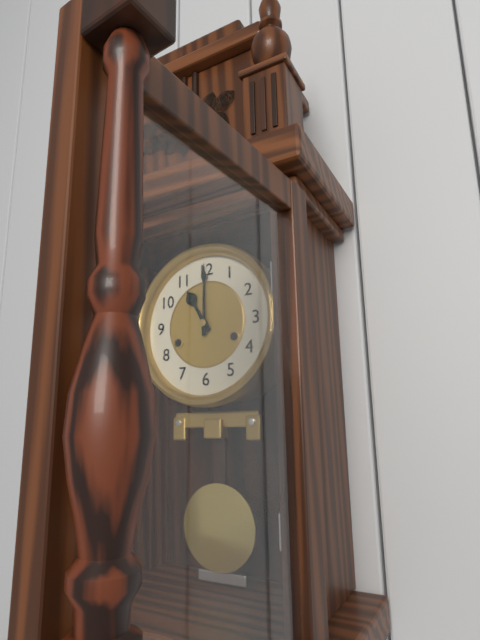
{"hour": 11, "minute": 0}
